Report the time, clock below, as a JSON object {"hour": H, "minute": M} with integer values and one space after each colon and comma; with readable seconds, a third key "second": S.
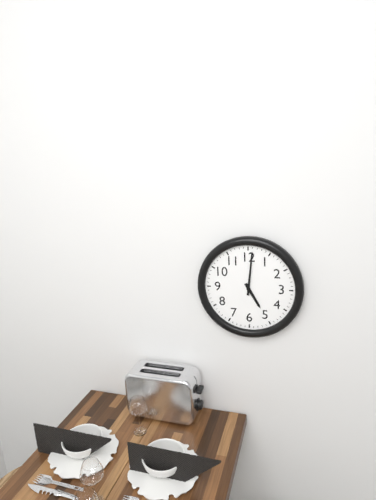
{"hour": 5, "minute": 1}
